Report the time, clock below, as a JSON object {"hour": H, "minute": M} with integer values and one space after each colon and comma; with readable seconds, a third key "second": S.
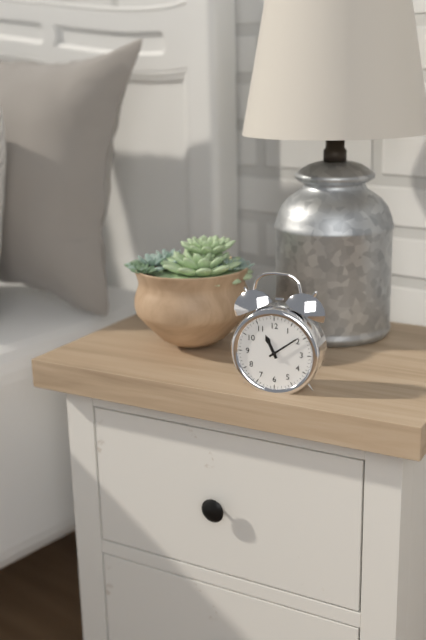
{"hour": 11, "minute": 9}
